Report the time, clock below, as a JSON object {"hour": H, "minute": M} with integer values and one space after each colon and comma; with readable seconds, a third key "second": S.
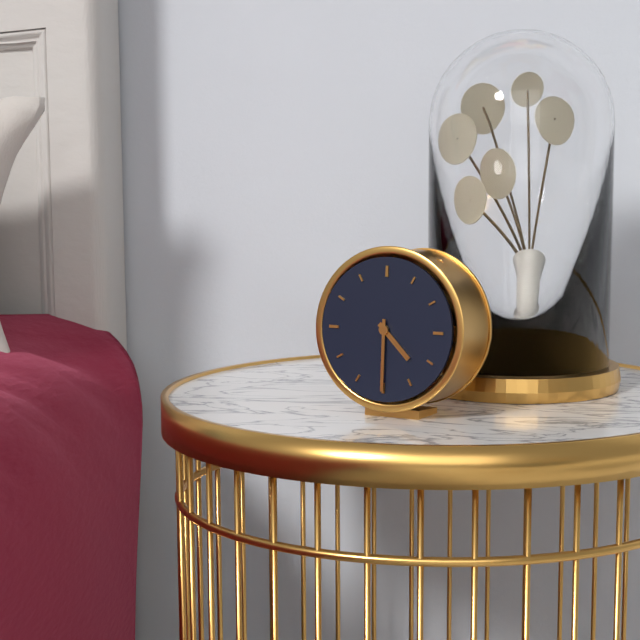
{"hour": 4, "minute": 30}
